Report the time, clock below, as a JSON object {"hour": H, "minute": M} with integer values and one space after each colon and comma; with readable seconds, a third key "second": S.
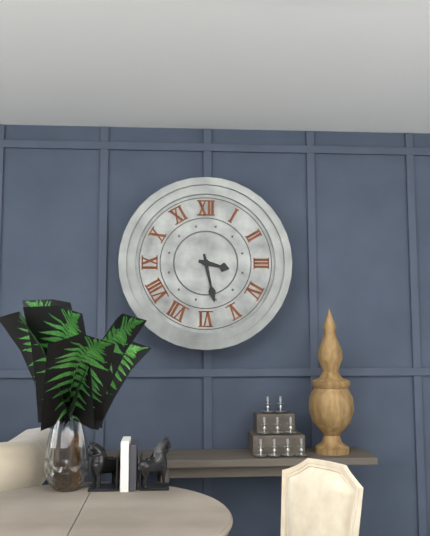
{"hour": 3, "minute": 28}
